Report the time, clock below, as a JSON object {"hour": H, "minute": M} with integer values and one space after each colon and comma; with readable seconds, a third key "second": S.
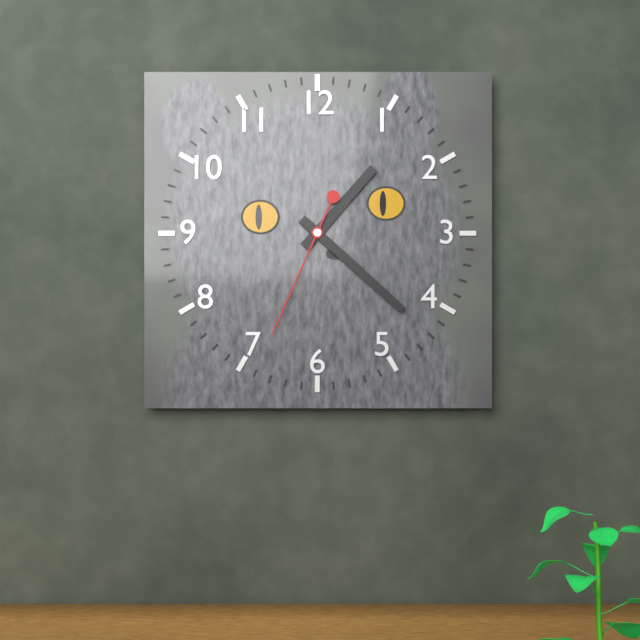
{"hour": 1, "minute": 22, "second": 34}
